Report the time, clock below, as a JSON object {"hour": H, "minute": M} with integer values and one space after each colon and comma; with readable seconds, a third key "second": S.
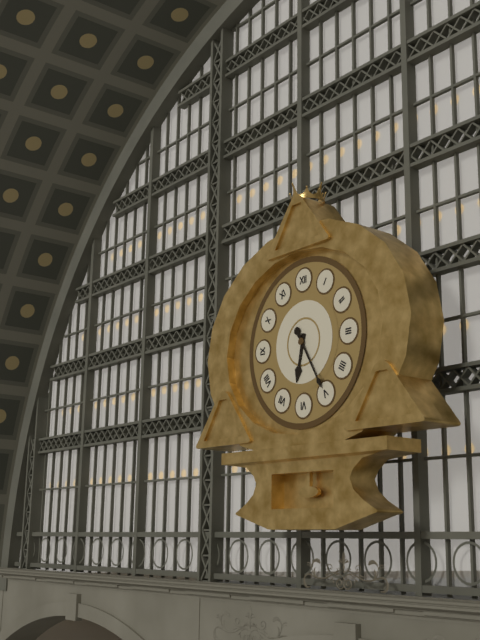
{"hour": 6, "minute": 25}
